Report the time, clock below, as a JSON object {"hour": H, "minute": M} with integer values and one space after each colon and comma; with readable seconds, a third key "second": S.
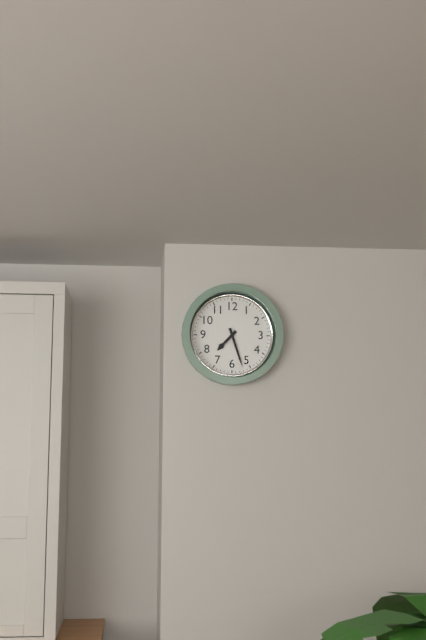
{"hour": 7, "minute": 27}
